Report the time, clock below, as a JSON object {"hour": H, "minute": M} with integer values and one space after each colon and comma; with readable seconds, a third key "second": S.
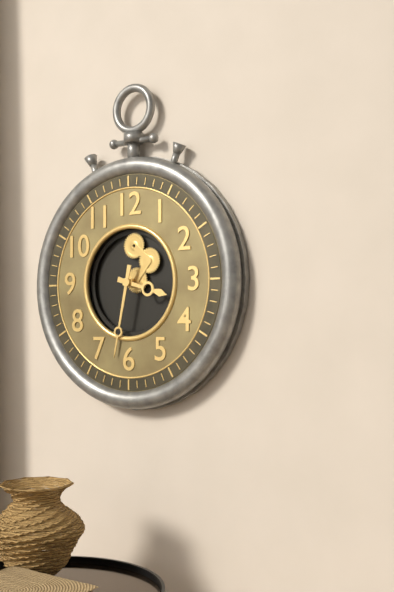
{"hour": 3, "minute": 32}
